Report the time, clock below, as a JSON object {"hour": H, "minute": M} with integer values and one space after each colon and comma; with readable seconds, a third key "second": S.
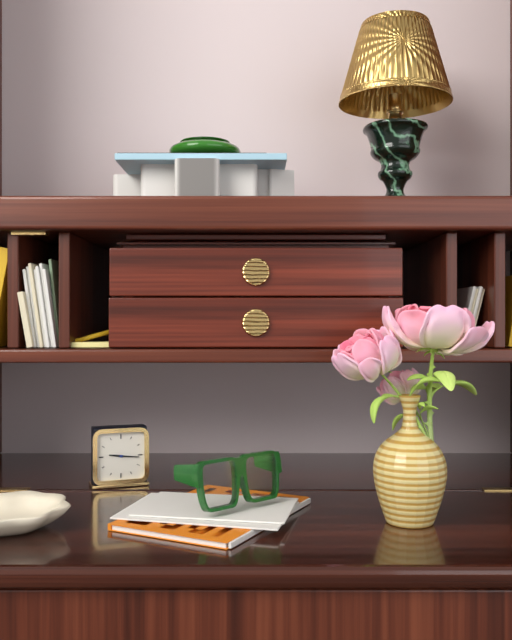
{"hour": 9, "minute": 16}
